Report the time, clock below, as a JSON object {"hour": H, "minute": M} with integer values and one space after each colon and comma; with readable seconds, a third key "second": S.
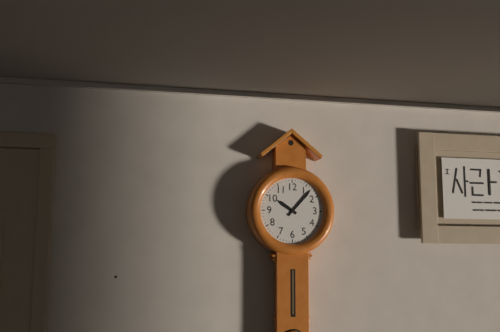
{"hour": 10, "minute": 7}
